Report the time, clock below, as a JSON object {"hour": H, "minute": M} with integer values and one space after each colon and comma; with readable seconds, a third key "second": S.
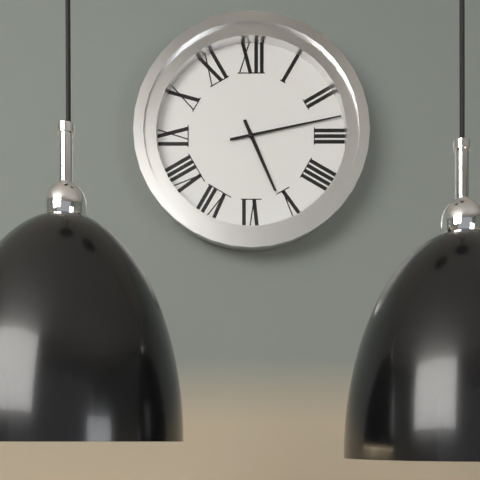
{"hour": 5, "minute": 13}
